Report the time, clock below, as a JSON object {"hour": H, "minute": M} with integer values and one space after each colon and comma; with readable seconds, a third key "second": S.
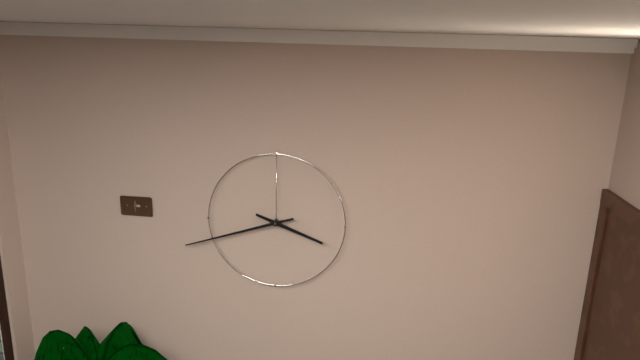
{"hour": 3, "minute": 42}
